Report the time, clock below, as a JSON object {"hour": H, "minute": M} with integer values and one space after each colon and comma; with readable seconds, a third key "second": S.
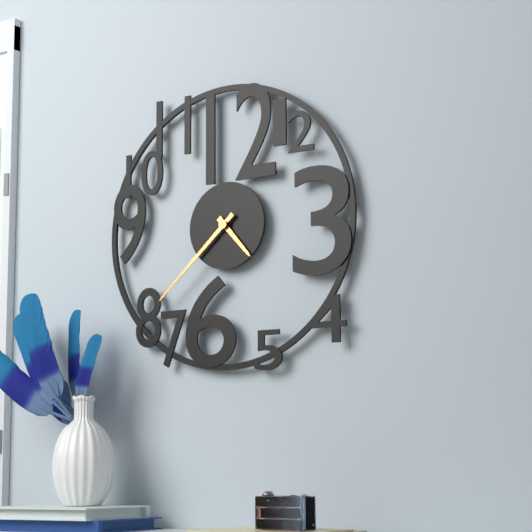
{"hour": 4, "minute": 38}
